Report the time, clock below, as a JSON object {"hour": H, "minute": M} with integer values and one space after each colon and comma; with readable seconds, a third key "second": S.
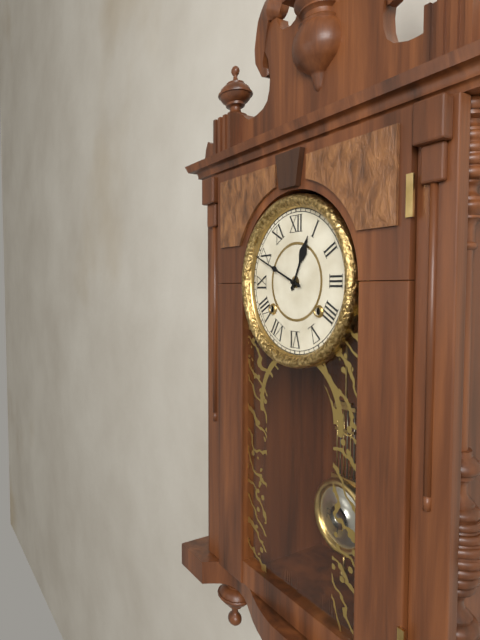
{"hour": 12, "minute": 49}
